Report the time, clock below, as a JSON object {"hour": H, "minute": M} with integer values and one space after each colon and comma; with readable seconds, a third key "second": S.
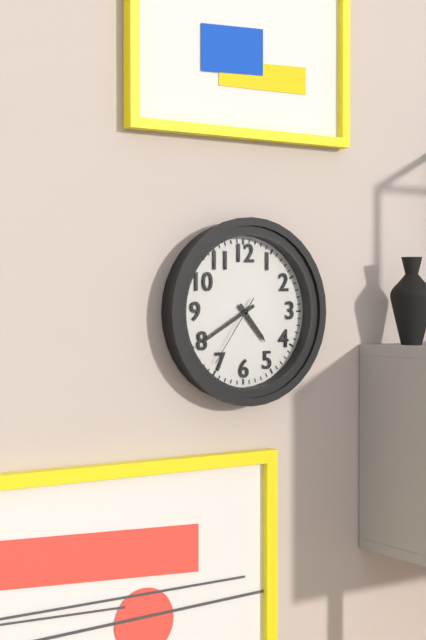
{"hour": 4, "minute": 40, "second": 36}
